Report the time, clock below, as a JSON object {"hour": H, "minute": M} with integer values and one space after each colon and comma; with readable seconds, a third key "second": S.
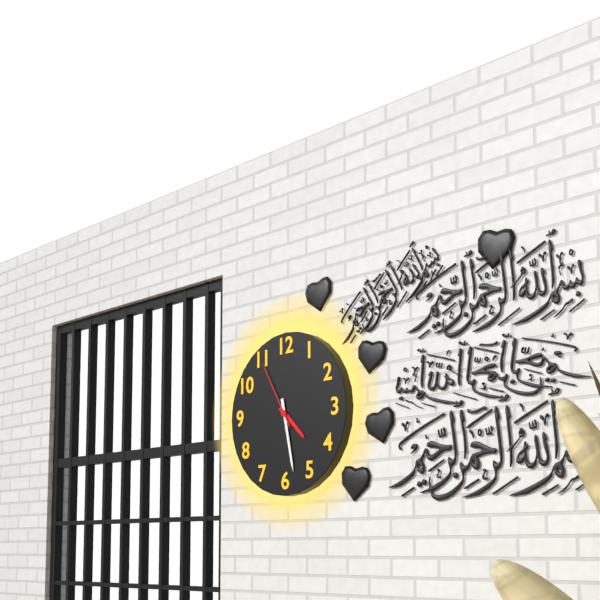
{"hour": 4, "minute": 28, "second": 55}
